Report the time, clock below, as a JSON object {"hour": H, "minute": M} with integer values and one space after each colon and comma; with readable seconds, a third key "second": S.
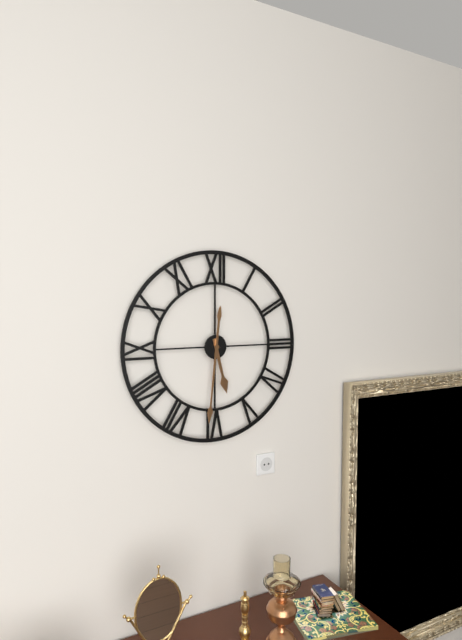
{"hour": 5, "minute": 31}
